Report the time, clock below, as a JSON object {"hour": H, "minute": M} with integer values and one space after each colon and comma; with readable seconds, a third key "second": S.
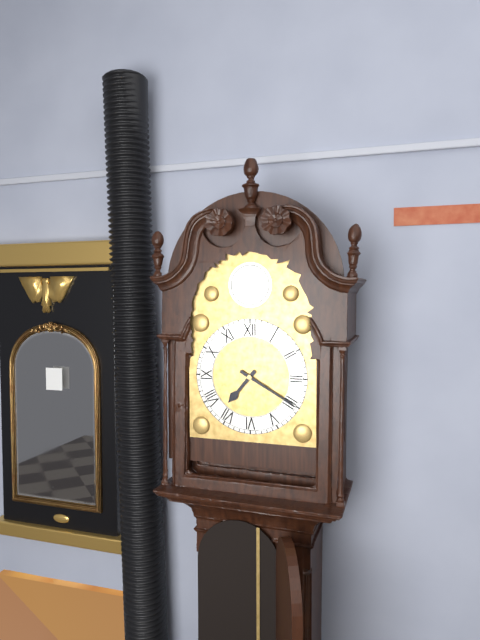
{"hour": 7, "minute": 20}
